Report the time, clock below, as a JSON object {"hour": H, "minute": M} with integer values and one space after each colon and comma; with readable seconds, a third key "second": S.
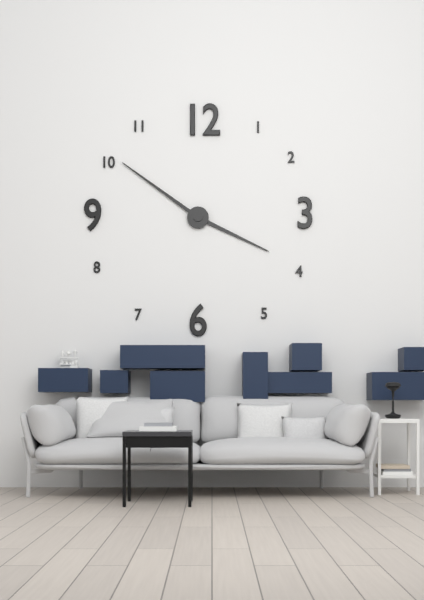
{"hour": 3, "minute": 51}
